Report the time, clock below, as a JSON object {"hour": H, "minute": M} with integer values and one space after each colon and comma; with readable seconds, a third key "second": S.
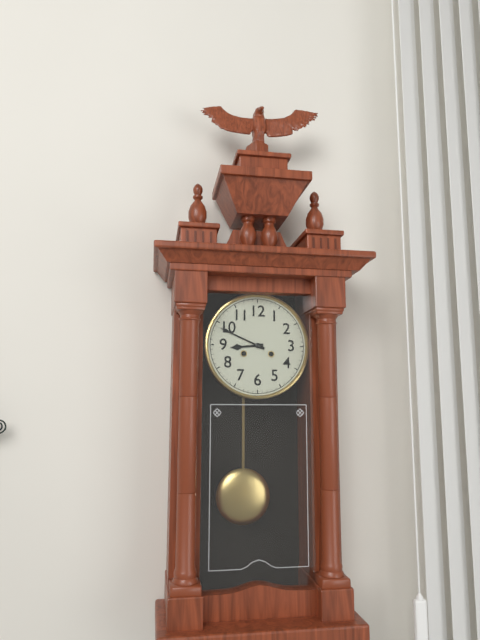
{"hour": 8, "minute": 49}
